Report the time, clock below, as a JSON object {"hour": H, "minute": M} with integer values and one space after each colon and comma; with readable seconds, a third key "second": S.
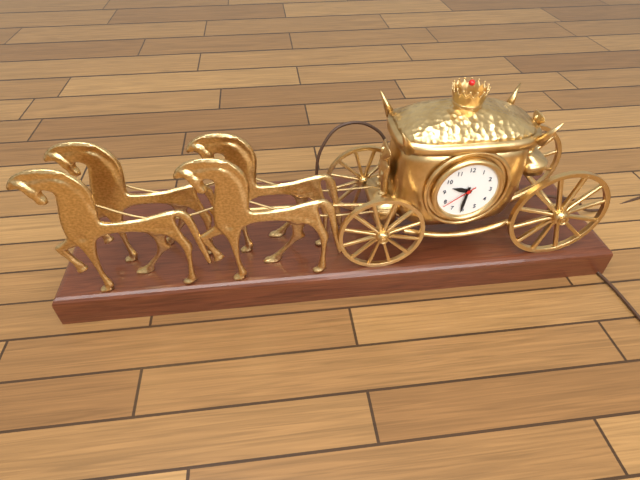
{"hour": 9, "minute": 31}
